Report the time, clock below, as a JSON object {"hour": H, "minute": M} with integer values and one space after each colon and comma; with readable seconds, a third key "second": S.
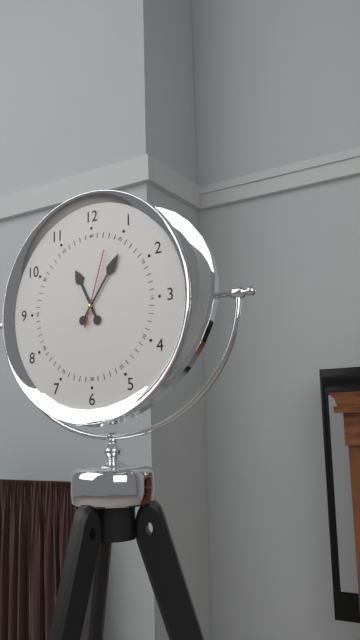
{"hour": 11, "minute": 6, "second": 3}
